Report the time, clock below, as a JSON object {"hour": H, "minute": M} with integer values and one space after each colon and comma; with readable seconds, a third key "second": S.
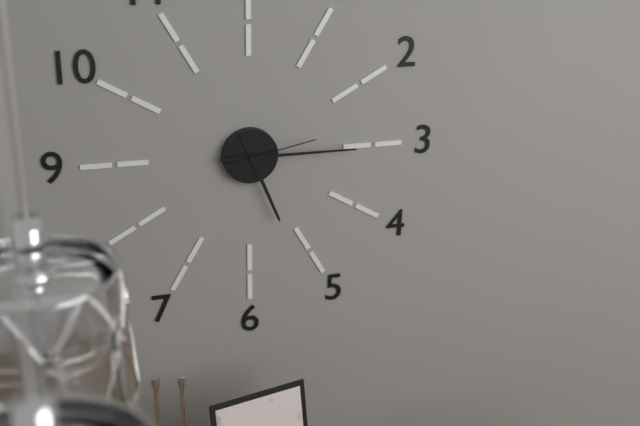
{"hour": 5, "minute": 15, "second": 13}
